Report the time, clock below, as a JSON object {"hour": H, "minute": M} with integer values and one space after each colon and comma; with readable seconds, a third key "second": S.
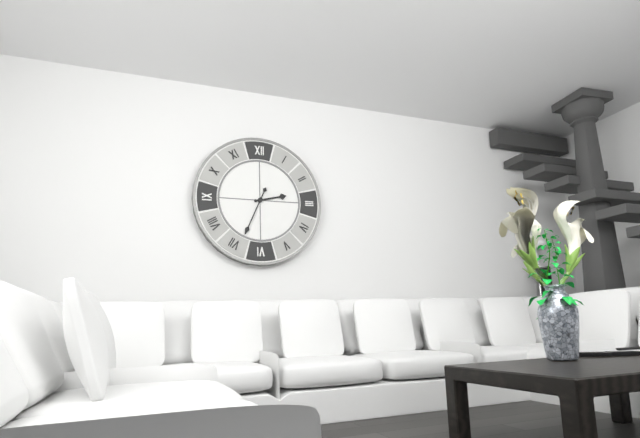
{"hour": 2, "minute": 34}
